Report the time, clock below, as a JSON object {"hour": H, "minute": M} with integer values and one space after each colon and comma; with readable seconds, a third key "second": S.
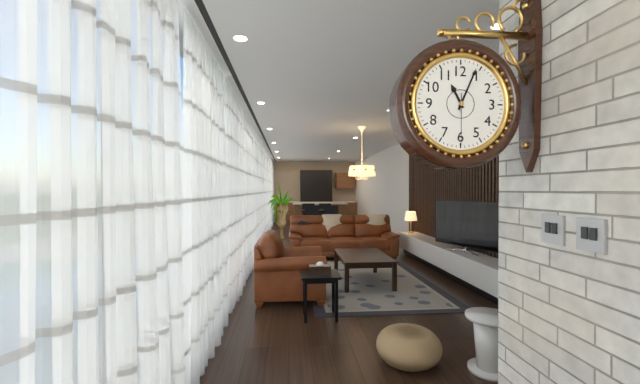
{"hour": 11, "minute": 4, "second": 30}
